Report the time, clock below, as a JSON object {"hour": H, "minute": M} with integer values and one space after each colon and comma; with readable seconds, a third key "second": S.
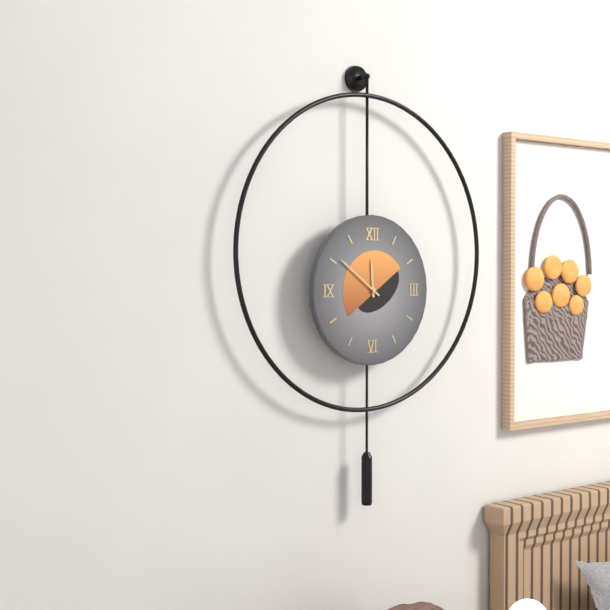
{"hour": 11, "minute": 51}
